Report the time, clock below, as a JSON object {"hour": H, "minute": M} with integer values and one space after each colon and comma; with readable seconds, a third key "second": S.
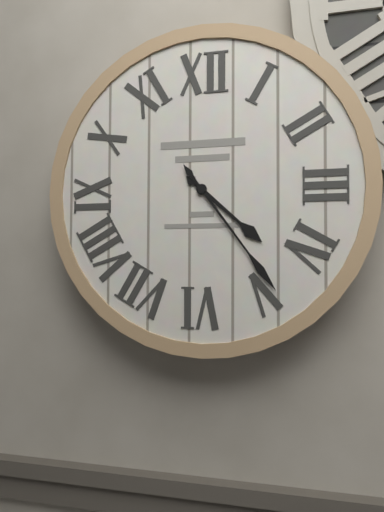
{"hour": 4, "minute": 24}
